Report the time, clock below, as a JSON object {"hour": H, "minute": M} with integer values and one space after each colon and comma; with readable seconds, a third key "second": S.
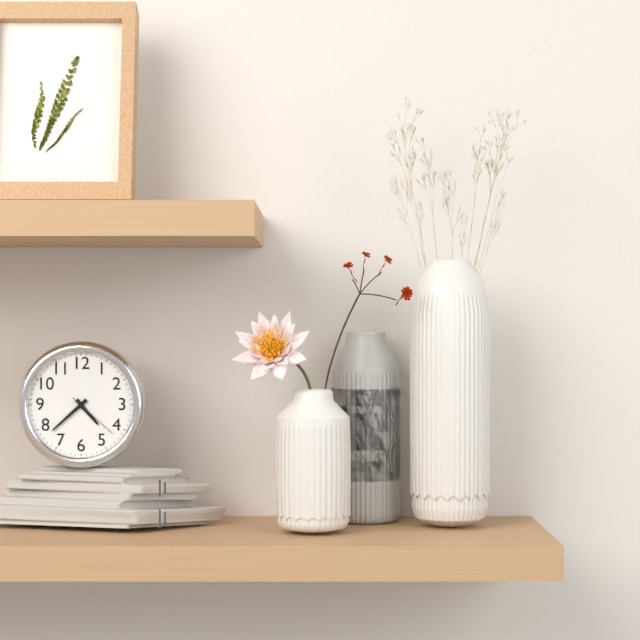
{"hour": 4, "minute": 38, "second": 22}
